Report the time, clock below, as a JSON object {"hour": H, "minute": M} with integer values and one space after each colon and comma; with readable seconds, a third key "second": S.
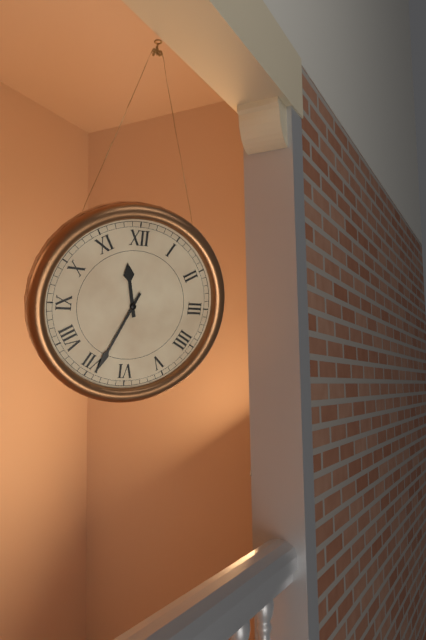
{"hour": 11, "minute": 34}
